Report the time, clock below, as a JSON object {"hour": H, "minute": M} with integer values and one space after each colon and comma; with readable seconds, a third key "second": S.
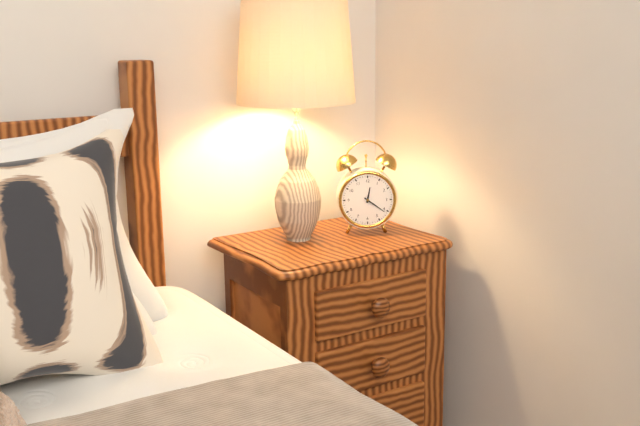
{"hour": 12, "minute": 21}
